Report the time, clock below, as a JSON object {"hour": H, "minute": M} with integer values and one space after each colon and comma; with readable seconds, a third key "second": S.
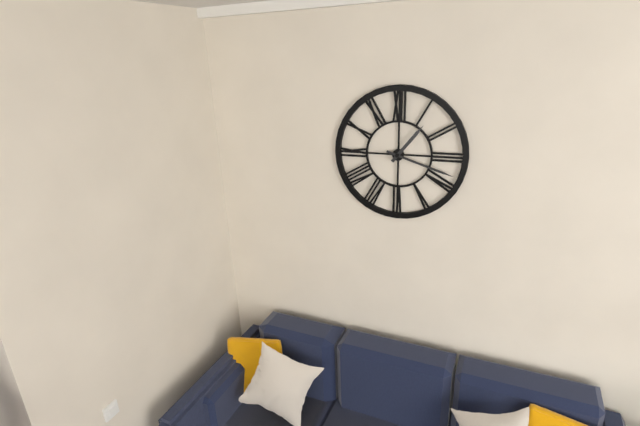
{"hour": 1, "minute": 18}
